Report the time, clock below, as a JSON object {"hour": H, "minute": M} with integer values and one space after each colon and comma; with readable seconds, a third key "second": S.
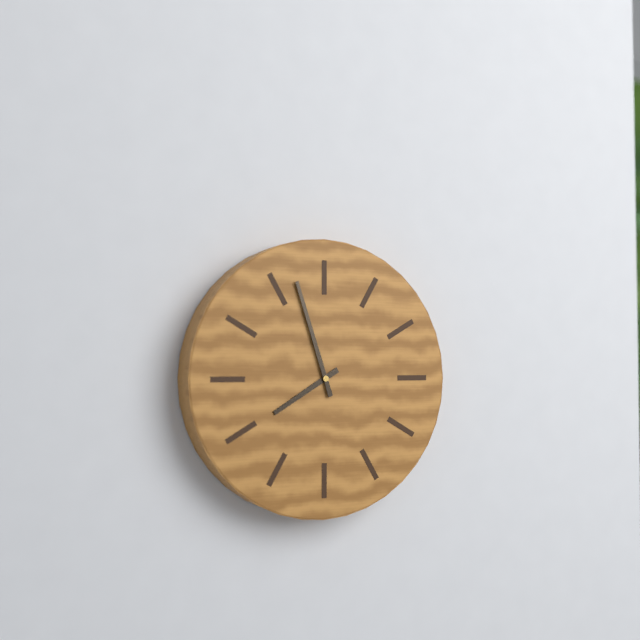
{"hour": 7, "minute": 57}
